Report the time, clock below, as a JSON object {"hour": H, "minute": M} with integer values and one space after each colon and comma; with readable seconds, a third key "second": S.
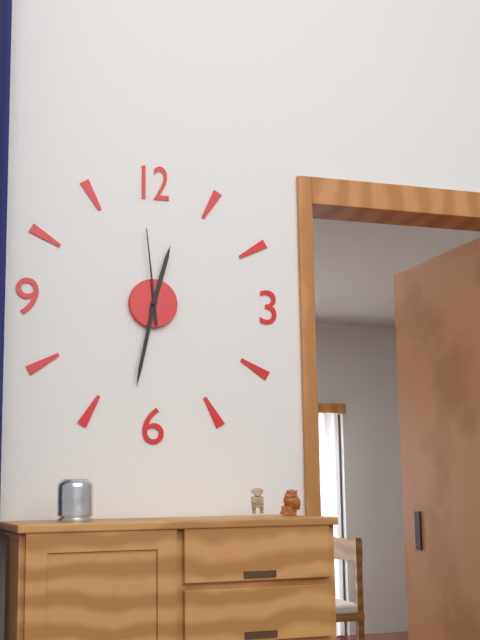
{"hour": 12, "minute": 32, "second": 59}
